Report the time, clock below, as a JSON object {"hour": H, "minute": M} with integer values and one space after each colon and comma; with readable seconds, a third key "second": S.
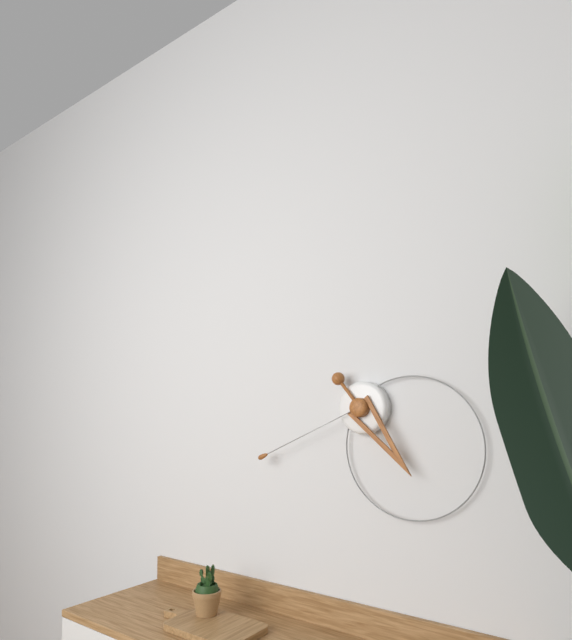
{"hour": 4, "minute": 41}
